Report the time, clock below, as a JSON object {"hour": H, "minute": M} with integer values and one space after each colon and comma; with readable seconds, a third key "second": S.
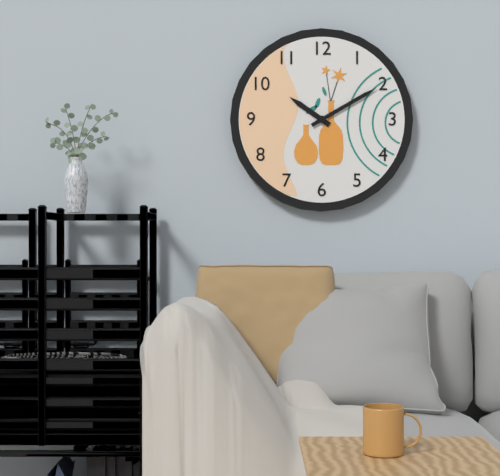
{"hour": 10, "minute": 10}
